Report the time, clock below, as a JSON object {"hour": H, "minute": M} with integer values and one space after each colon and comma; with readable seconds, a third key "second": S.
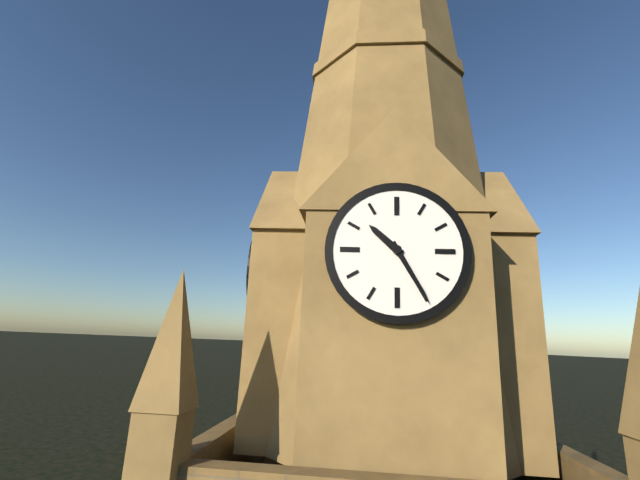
{"hour": 10, "minute": 25}
